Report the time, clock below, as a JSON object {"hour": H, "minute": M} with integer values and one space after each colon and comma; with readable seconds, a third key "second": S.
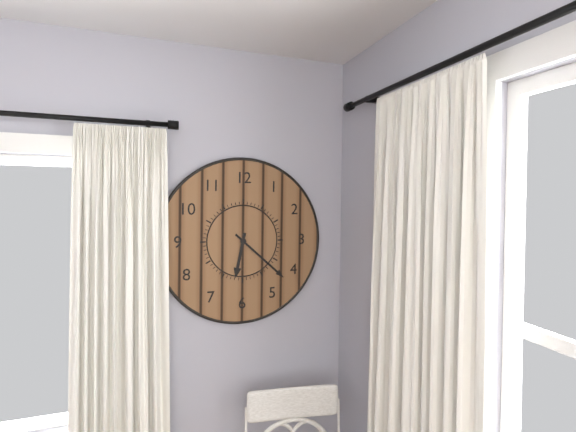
{"hour": 6, "minute": 22}
